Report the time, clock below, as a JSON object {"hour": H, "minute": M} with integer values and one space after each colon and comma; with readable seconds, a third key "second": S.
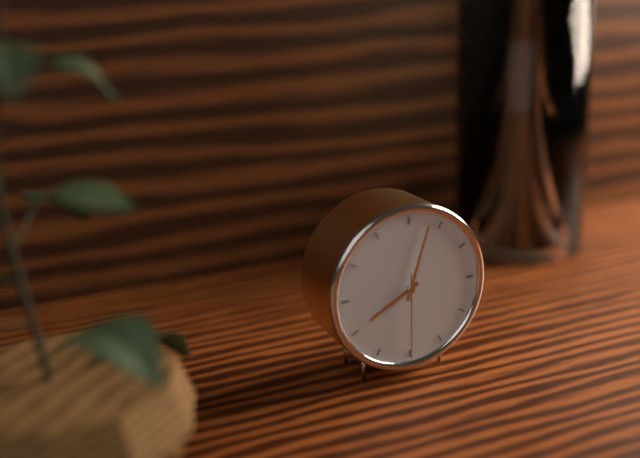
{"hour": 8, "minute": 3, "second": 30}
